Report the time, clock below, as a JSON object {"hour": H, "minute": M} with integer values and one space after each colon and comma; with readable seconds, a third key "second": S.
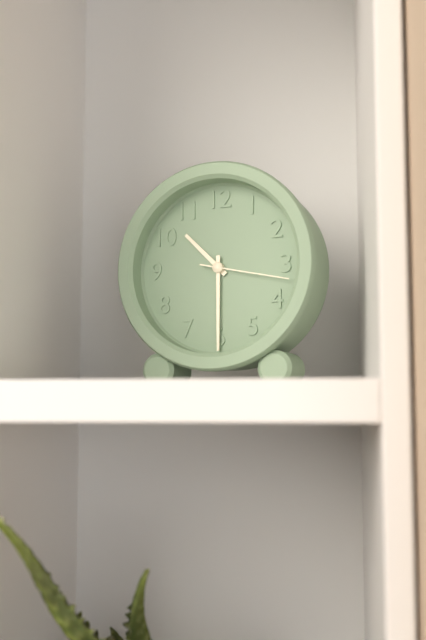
{"hour": 10, "minute": 30, "second": 17}
